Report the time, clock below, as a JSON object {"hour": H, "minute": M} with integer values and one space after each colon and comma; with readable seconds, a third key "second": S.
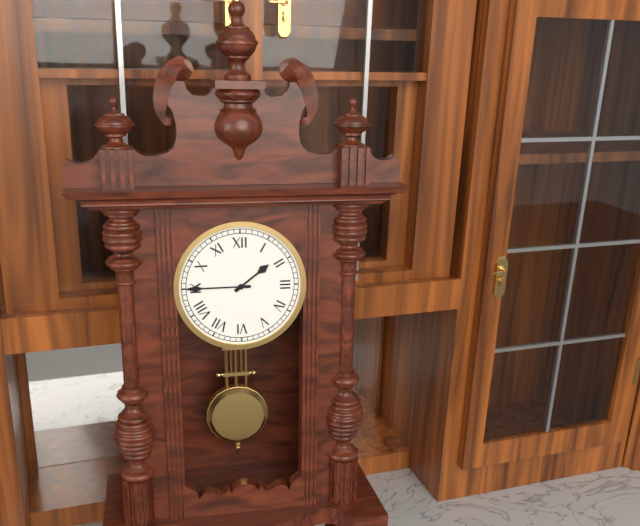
{"hour": 1, "minute": 45}
